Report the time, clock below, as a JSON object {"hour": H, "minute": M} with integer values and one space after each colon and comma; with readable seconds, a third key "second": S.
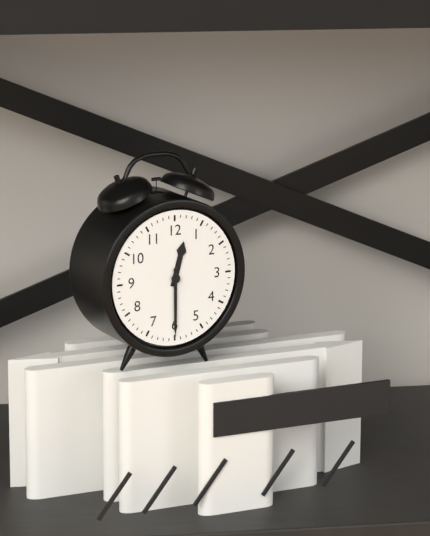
{"hour": 12, "minute": 30}
